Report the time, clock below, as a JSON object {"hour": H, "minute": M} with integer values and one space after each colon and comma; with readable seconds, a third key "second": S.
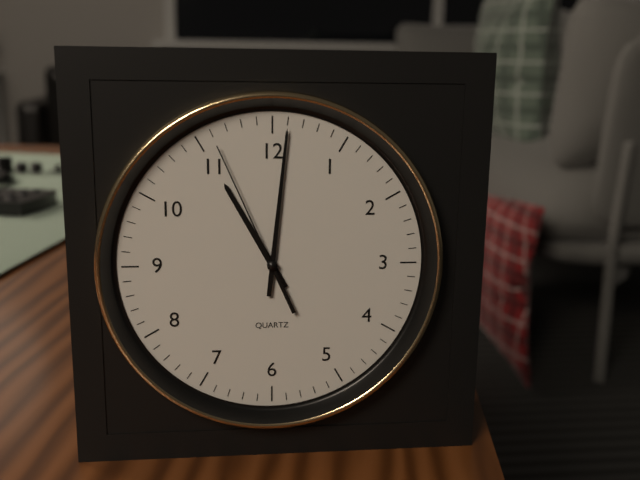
{"hour": 11, "minute": 1, "second": 56}
